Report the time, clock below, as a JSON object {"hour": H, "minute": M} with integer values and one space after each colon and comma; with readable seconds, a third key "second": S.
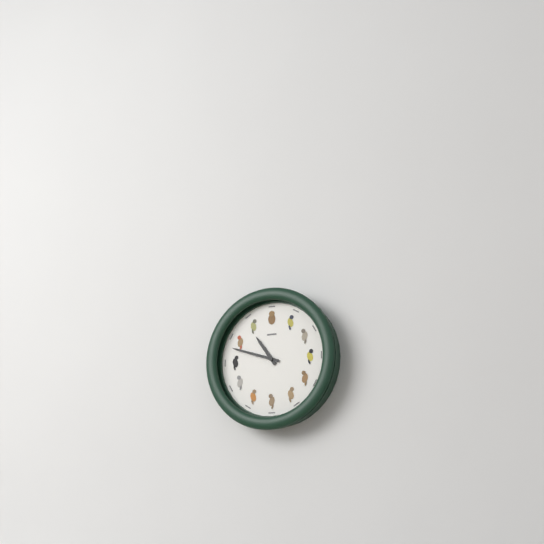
{"hour": 10, "minute": 48}
